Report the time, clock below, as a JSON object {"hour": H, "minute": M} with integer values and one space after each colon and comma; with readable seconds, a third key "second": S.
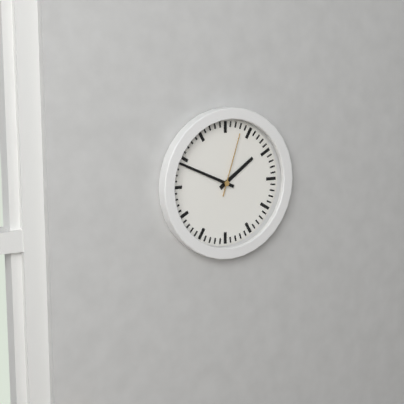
{"hour": 1, "minute": 49, "second": 3}
